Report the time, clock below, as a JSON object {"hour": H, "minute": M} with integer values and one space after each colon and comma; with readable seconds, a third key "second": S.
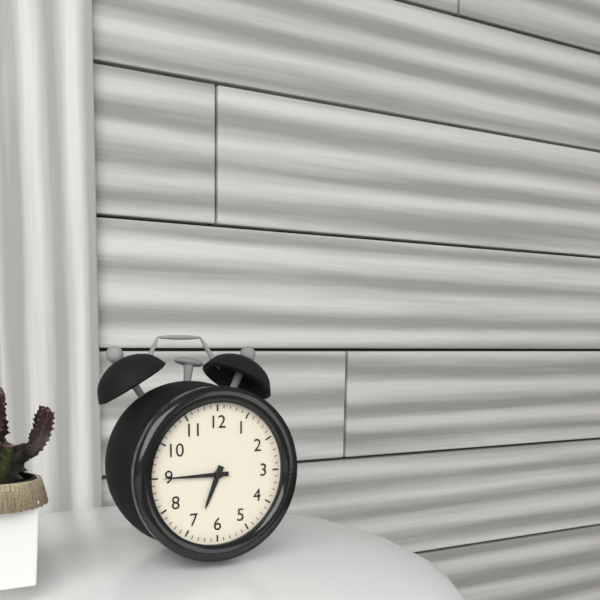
{"hour": 6, "minute": 45}
